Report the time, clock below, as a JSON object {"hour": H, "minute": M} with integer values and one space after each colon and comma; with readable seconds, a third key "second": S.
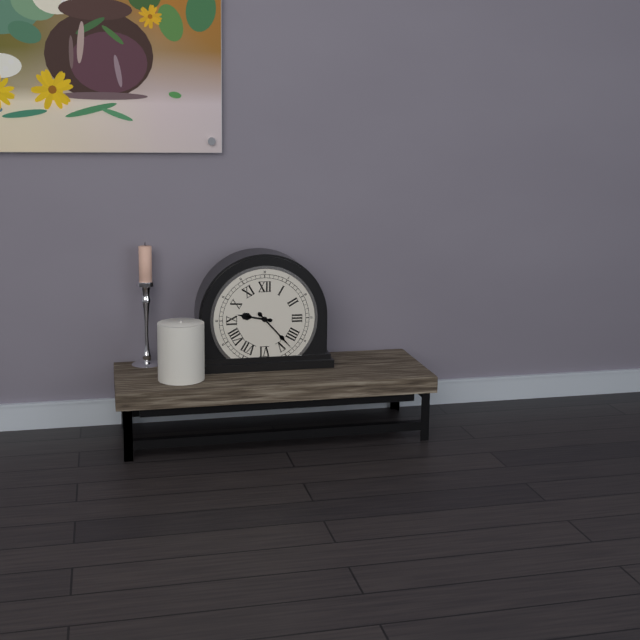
{"hour": 9, "minute": 23}
